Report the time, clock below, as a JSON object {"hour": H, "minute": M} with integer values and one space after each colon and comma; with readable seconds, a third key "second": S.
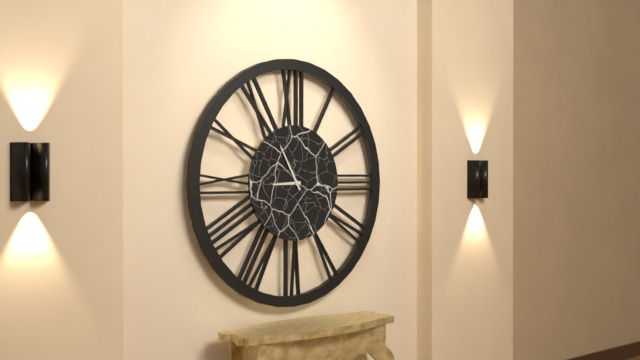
{"hour": 8, "minute": 55}
